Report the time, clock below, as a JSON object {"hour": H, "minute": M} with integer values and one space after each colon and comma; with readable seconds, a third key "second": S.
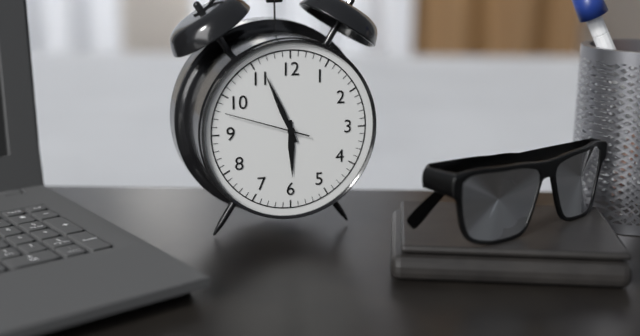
{"hour": 5, "minute": 56, "second": 48}
